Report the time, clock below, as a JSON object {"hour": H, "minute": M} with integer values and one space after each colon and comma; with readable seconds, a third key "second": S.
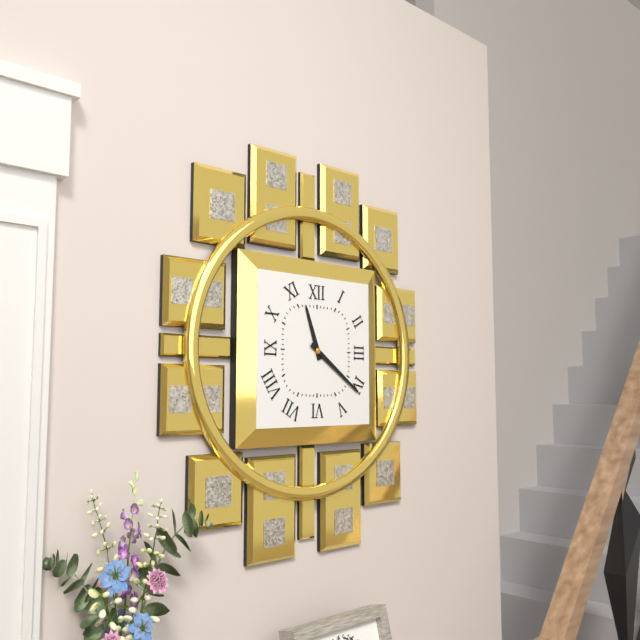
{"hour": 11, "minute": 21}
